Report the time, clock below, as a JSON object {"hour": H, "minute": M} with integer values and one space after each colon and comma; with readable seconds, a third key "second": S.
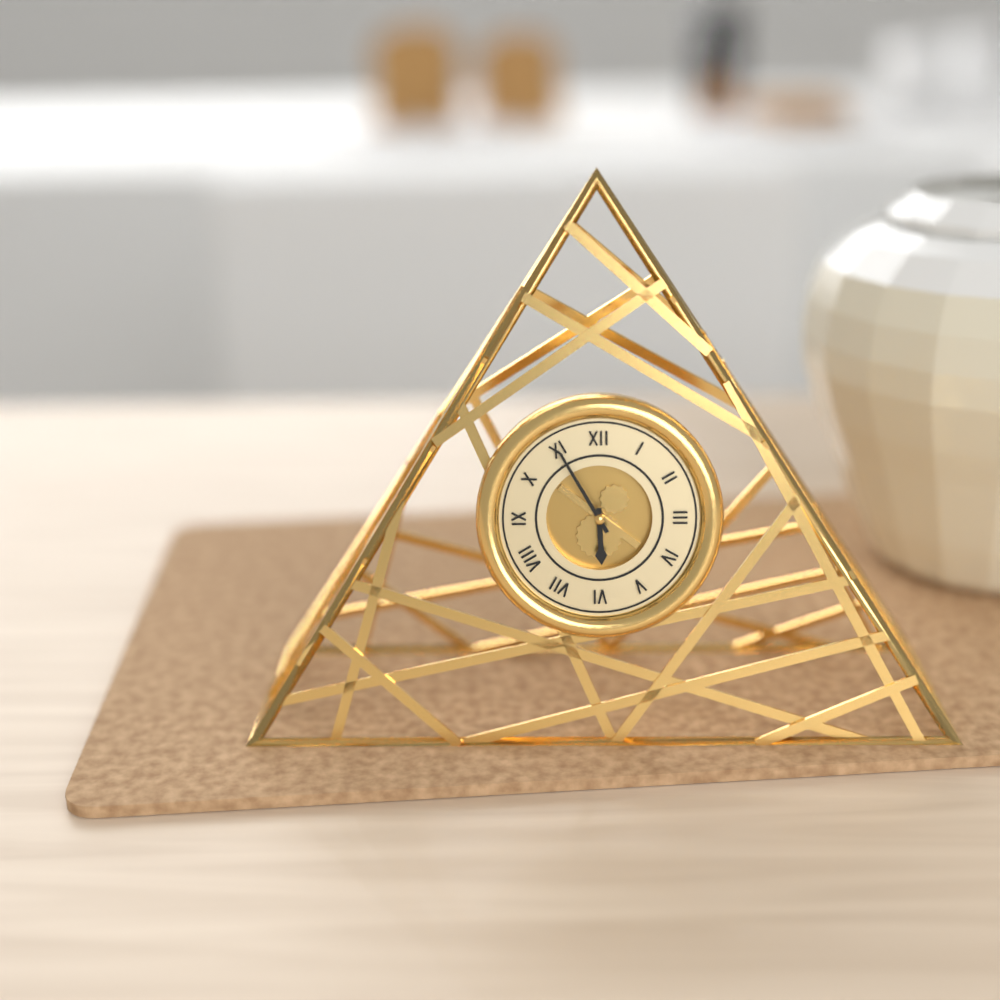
{"hour": 5, "minute": 55}
